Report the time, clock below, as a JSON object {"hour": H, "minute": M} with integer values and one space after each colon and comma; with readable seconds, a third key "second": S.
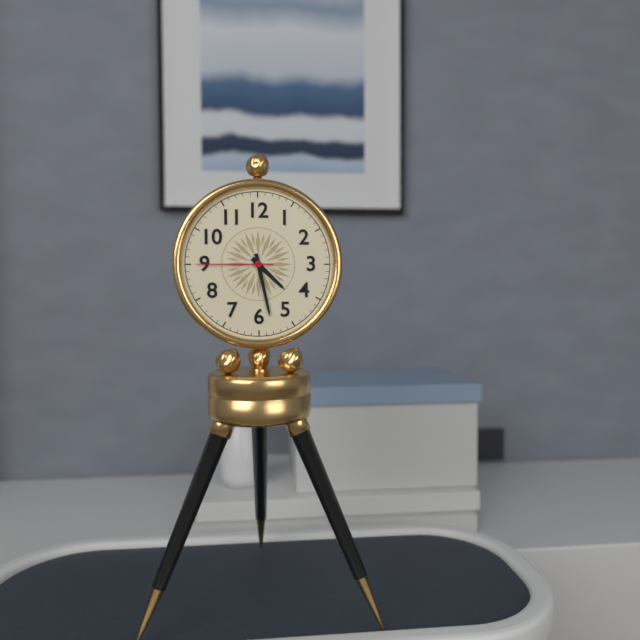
{"hour": 4, "minute": 28, "second": 45}
